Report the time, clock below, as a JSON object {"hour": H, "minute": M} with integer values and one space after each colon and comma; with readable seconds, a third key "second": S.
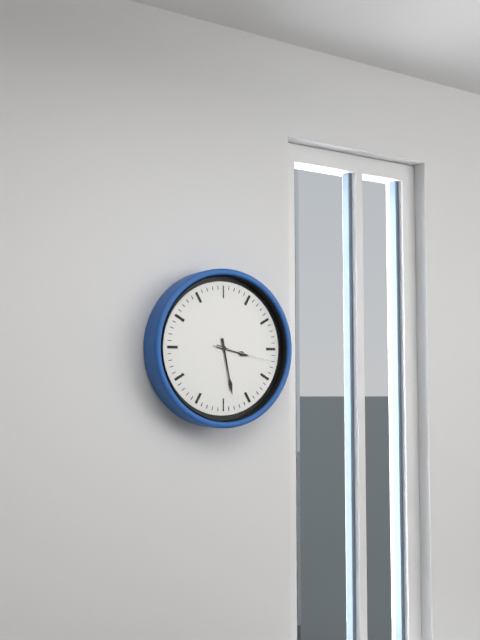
{"hour": 3, "minute": 28, "second": 17}
